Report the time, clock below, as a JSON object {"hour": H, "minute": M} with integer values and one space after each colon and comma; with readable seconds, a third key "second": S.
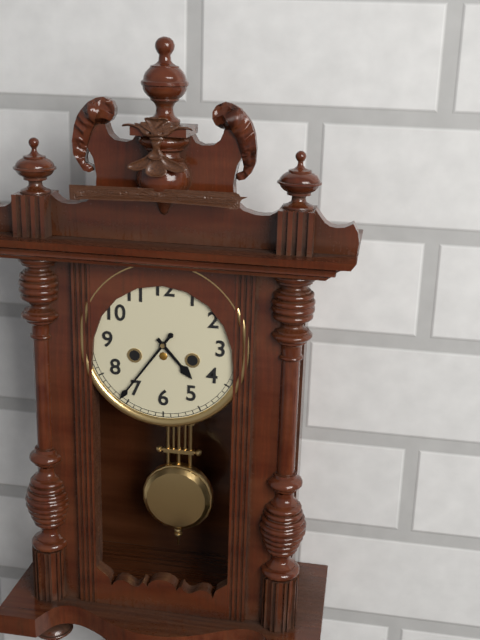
{"hour": 4, "minute": 36}
